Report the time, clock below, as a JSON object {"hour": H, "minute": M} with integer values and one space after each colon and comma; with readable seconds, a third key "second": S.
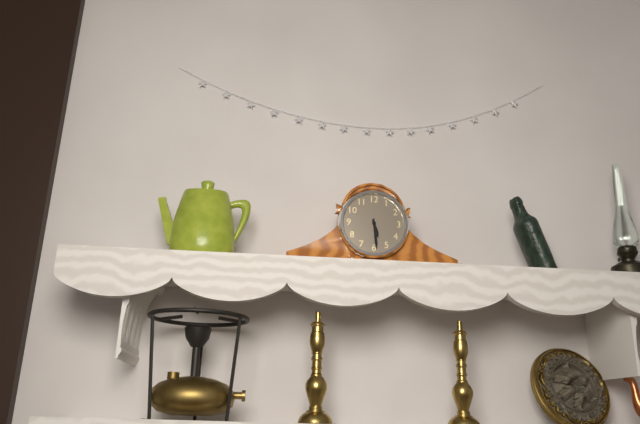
{"hour": 5, "minute": 29}
